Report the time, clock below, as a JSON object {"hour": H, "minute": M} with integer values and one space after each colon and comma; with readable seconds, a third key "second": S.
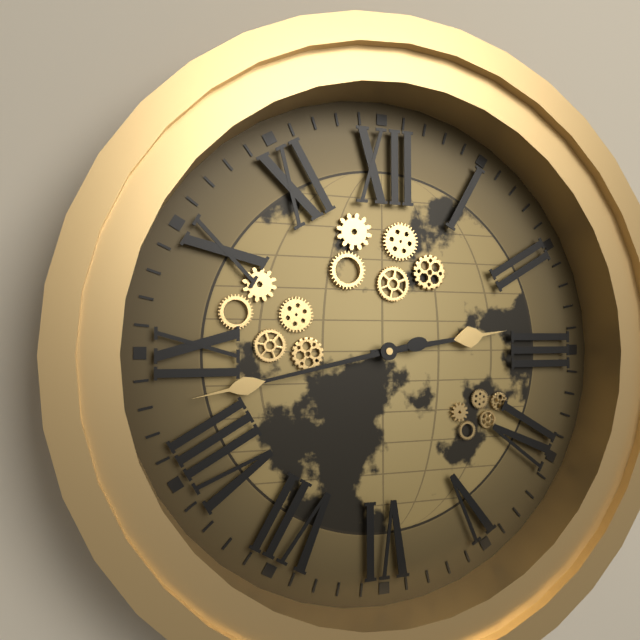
{"hour": 2, "minute": 43}
